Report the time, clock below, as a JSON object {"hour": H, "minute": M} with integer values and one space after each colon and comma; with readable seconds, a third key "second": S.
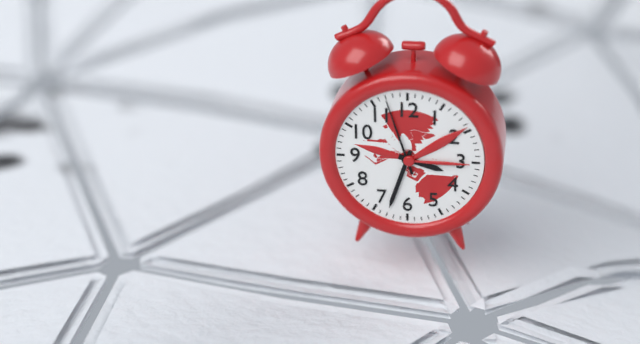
{"hour": 3, "minute": 33, "second": 57}
